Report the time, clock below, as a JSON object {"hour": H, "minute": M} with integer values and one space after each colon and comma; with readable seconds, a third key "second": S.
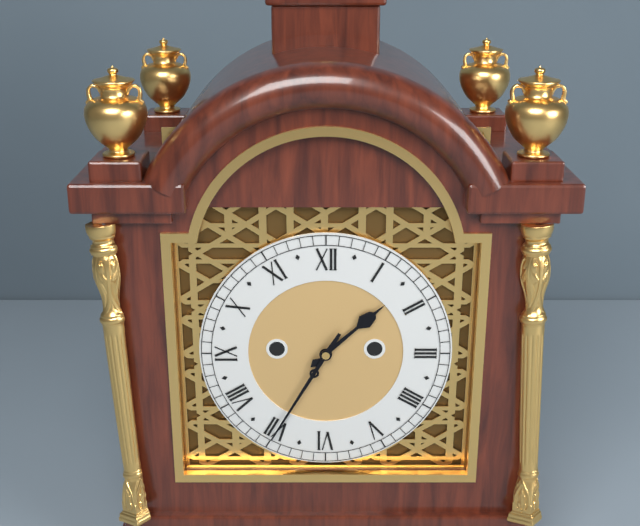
{"hour": 1, "minute": 35}
